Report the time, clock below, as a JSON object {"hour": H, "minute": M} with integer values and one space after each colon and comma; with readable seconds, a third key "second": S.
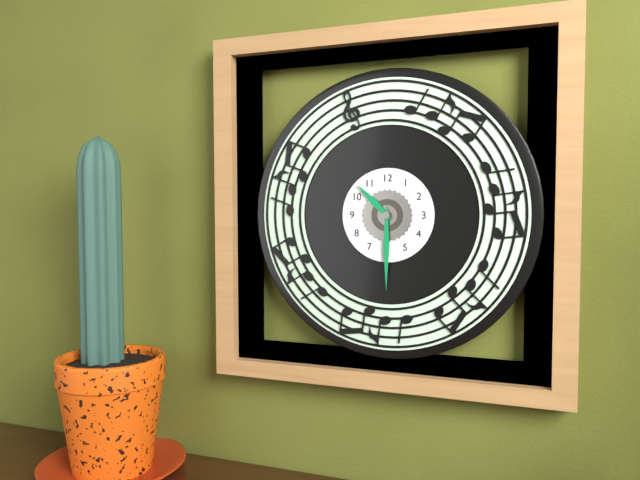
{"hour": 10, "minute": 30}
